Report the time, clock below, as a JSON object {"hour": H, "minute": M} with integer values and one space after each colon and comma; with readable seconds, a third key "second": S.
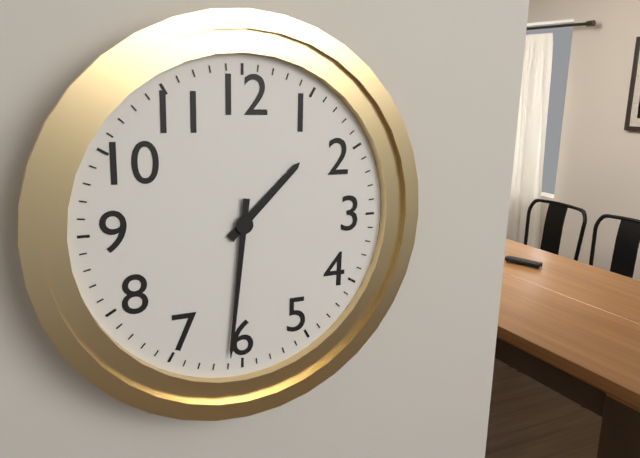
{"hour": 1, "minute": 31}
